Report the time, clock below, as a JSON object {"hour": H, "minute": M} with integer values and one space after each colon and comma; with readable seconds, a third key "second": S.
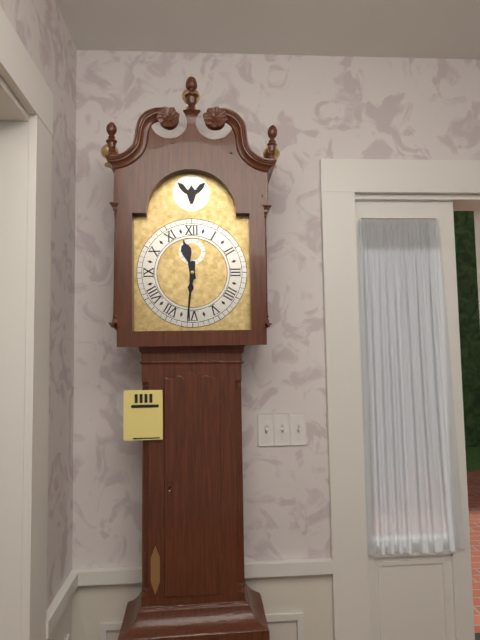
{"hour": 11, "minute": 31}
